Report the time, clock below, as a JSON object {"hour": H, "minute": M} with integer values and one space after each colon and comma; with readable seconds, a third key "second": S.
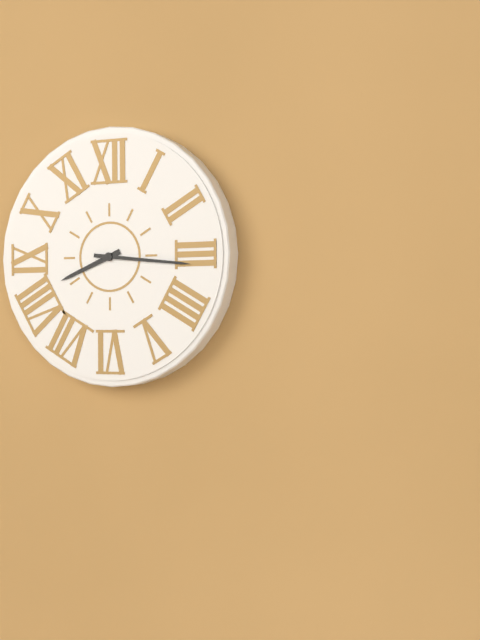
{"hour": 8, "minute": 16}
